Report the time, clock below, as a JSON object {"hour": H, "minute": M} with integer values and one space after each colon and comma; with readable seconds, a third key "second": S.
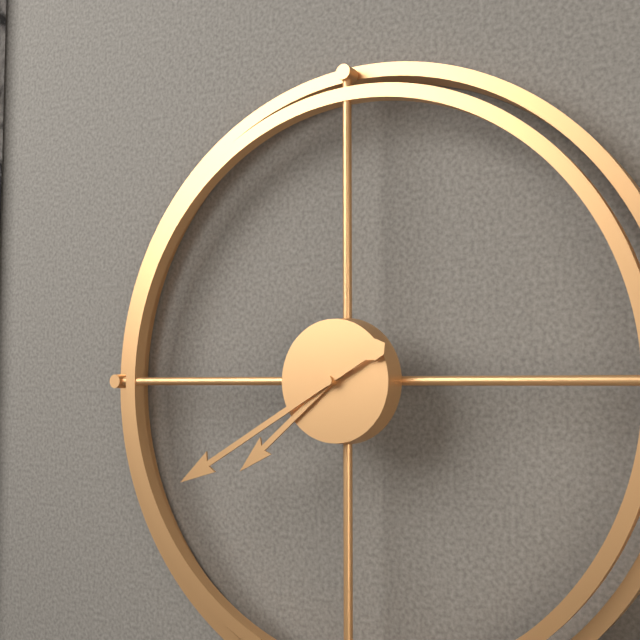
{"hour": 7, "minute": 40}
